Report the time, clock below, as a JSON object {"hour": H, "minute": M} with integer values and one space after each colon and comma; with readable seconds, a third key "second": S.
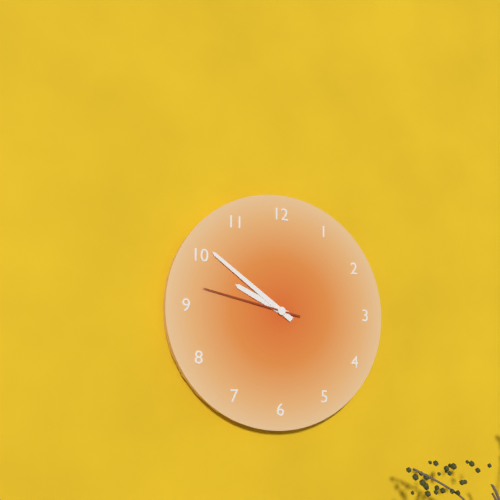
{"hour": 9, "minute": 51, "second": 47}
